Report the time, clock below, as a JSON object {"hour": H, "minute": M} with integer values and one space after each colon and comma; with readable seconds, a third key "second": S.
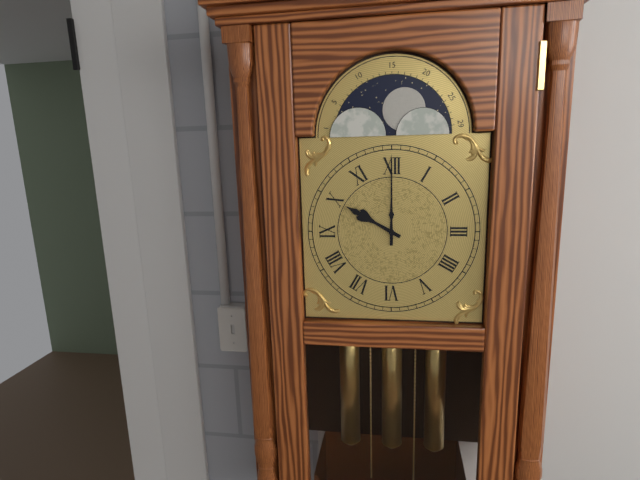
{"hour": 10, "minute": 0}
